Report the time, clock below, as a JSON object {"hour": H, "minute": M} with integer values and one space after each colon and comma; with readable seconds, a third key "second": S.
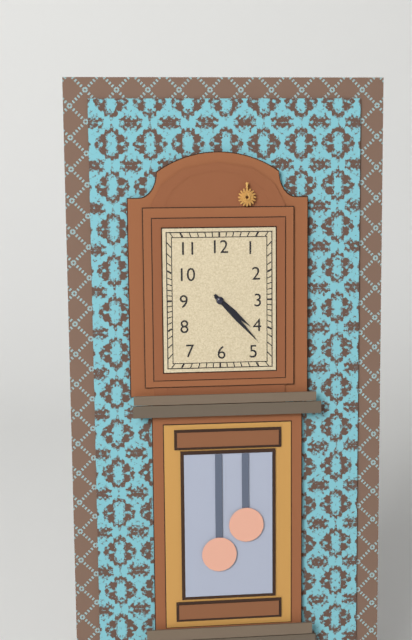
{"hour": 4, "minute": 23}
